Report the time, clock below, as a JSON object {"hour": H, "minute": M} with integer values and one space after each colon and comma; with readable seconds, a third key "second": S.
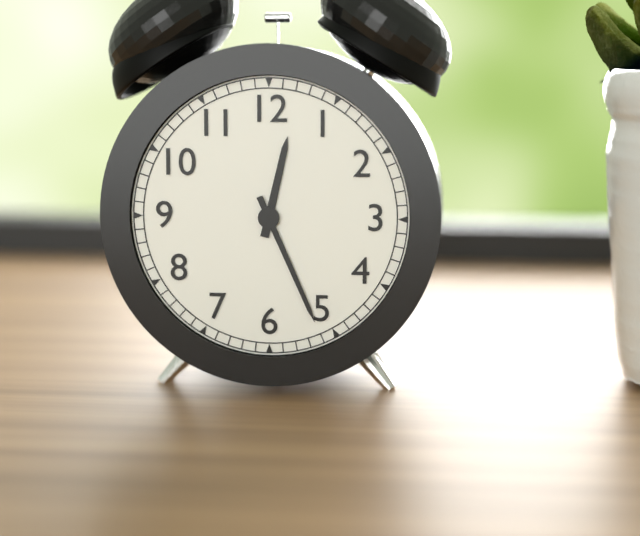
{"hour": 12, "minute": 26}
